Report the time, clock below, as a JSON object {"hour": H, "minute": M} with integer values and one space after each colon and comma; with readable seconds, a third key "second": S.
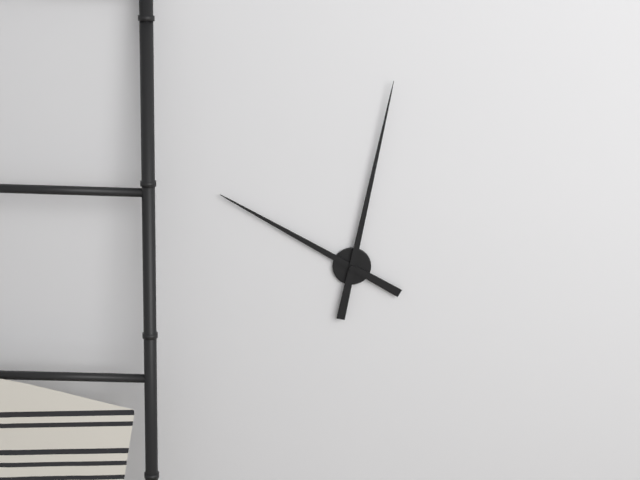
{"hour": 10, "minute": 2}
